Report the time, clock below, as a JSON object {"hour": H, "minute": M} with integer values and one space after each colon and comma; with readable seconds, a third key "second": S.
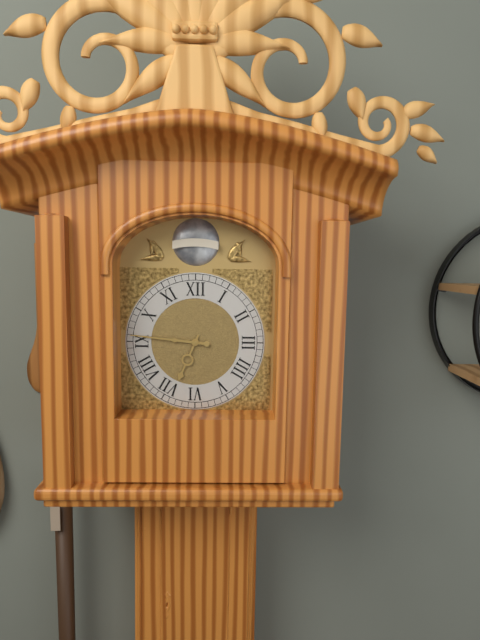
{"hour": 6, "minute": 46}
